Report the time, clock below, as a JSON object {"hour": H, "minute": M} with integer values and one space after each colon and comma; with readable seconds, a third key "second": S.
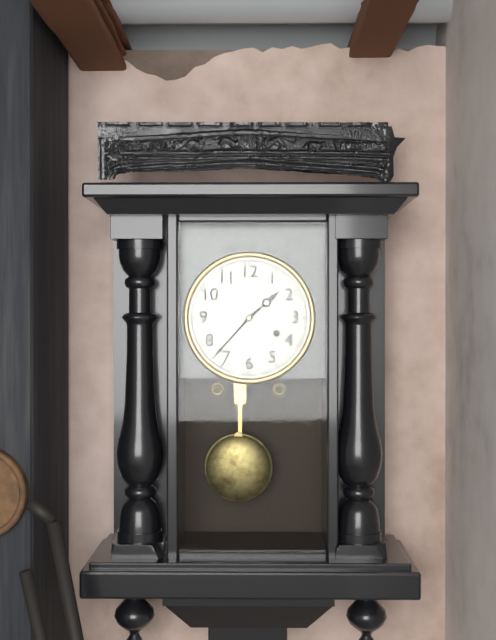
{"hour": 1, "minute": 37}
